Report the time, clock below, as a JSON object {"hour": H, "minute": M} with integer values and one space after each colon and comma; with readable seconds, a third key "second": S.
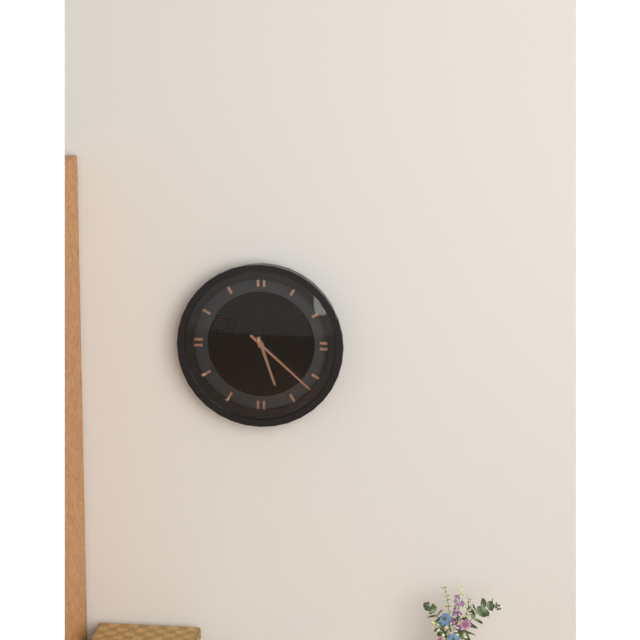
{"hour": 5, "minute": 22}
